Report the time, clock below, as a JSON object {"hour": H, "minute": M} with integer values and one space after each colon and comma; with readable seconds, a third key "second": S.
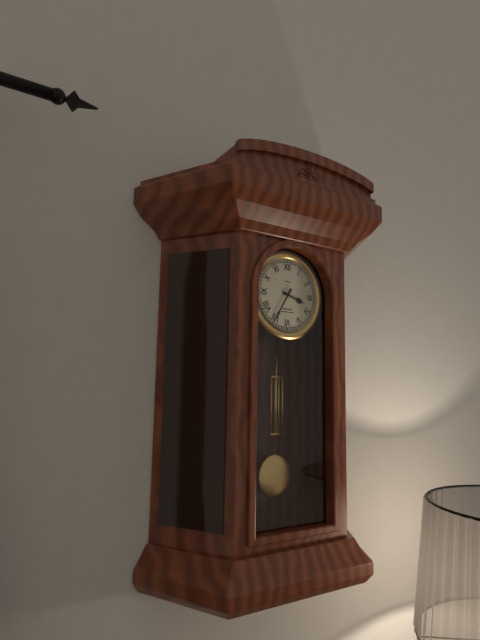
{"hour": 3, "minute": 35}
